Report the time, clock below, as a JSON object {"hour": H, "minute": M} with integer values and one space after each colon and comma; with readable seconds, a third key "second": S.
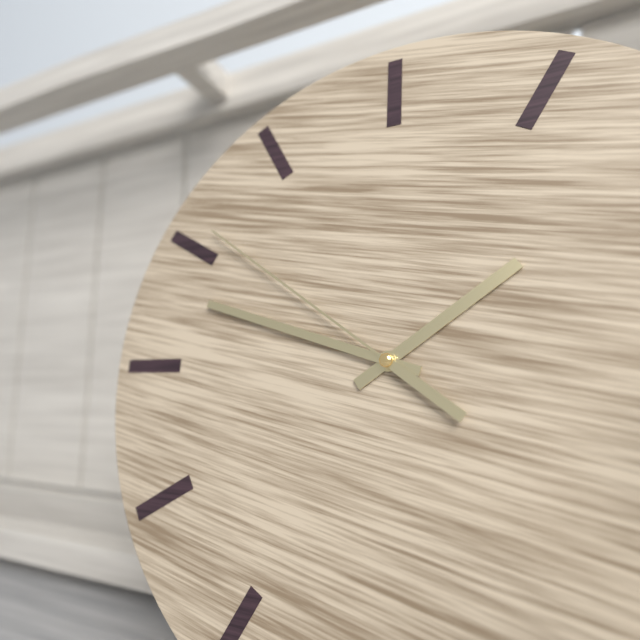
{"hour": 1, "minute": 48, "second": 51}
